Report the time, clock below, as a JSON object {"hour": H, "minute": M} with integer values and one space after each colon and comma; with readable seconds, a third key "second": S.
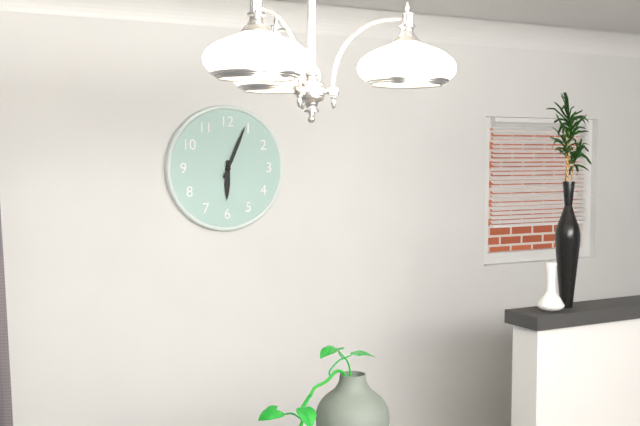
{"hour": 6, "minute": 4}
